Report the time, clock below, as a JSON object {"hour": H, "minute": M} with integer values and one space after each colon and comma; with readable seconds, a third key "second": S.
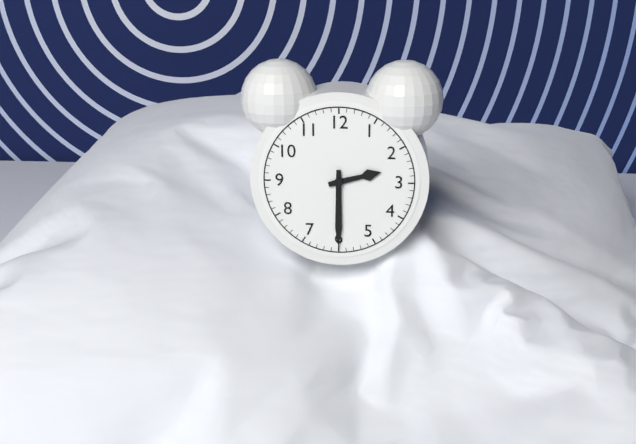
{"hour": 2, "minute": 30}
